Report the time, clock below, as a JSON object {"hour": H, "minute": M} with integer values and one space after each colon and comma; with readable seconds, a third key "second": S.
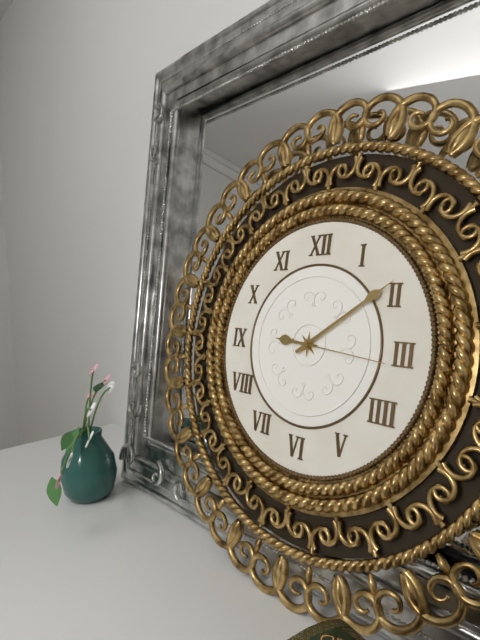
{"hour": 9, "minute": 9, "second": 16}
